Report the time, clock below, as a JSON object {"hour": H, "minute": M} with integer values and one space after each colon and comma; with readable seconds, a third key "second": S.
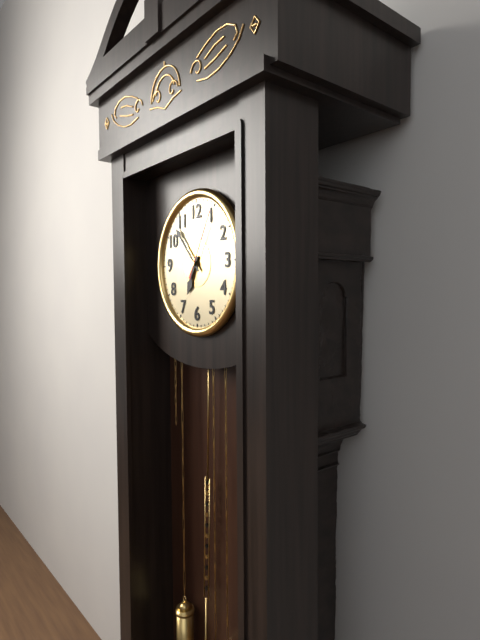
{"hour": 6, "minute": 53, "second": 5}
